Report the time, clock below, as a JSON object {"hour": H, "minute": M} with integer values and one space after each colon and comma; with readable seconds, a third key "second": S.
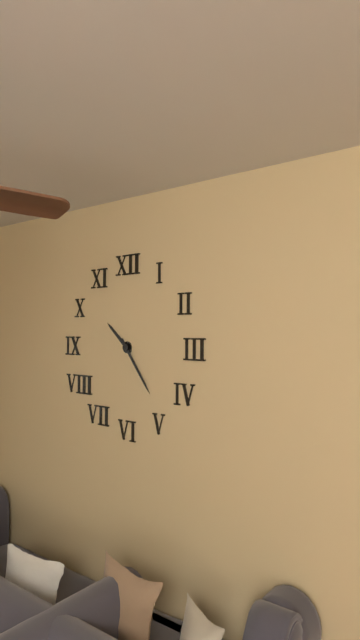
{"hour": 10, "minute": 24}
